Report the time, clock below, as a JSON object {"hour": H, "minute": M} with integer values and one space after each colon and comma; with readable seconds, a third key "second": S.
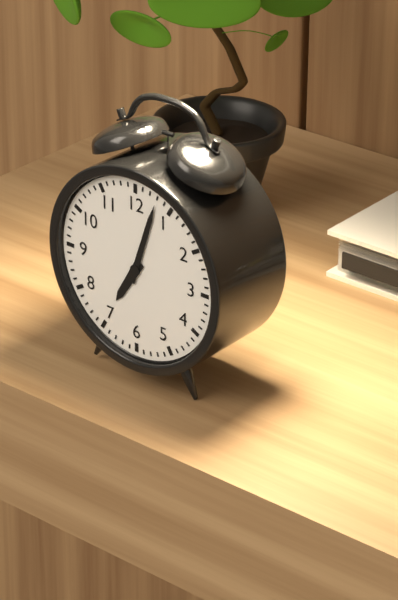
{"hour": 7, "minute": 3}
